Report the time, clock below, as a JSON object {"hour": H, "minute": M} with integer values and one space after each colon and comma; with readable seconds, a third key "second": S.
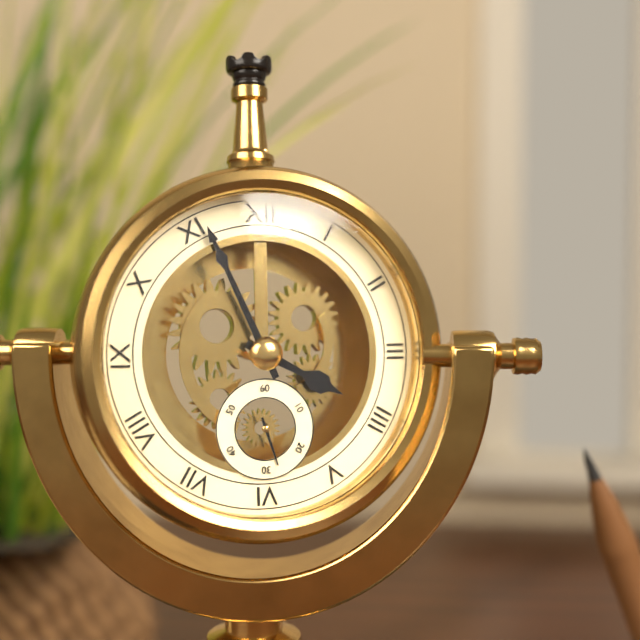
{"hour": 3, "minute": 56}
